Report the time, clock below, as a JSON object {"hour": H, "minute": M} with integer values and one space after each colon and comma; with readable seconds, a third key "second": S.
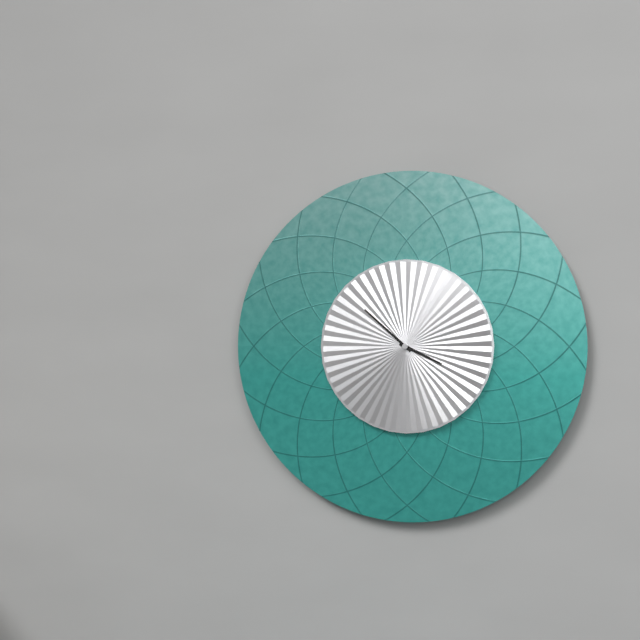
{"hour": 3, "minute": 52}
